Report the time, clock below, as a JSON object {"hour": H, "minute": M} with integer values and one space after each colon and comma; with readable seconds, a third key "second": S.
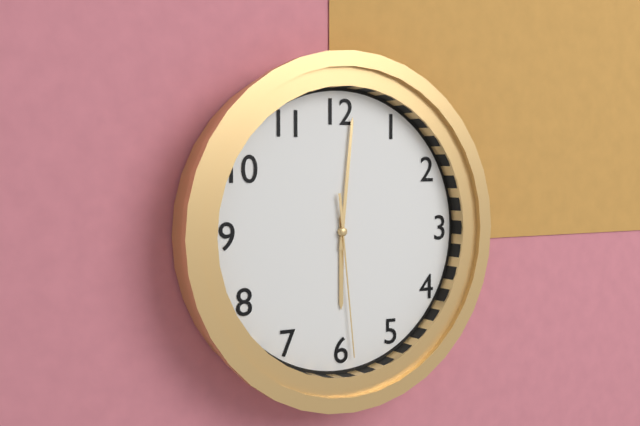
{"hour": 6, "minute": 1, "second": 29}
